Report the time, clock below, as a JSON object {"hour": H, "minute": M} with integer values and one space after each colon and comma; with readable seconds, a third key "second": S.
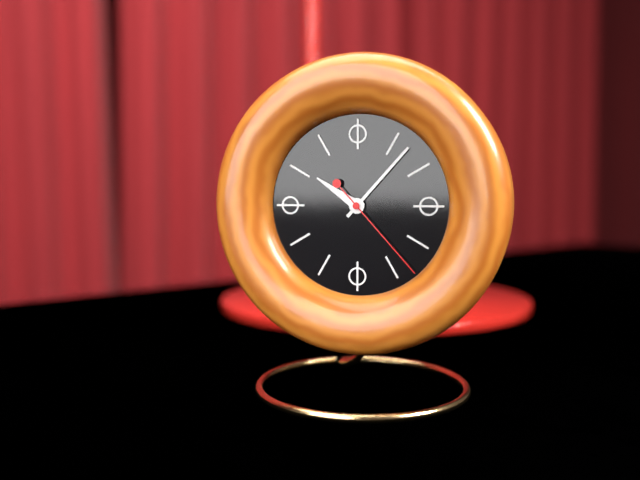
{"hour": 10, "minute": 7, "second": 23}
